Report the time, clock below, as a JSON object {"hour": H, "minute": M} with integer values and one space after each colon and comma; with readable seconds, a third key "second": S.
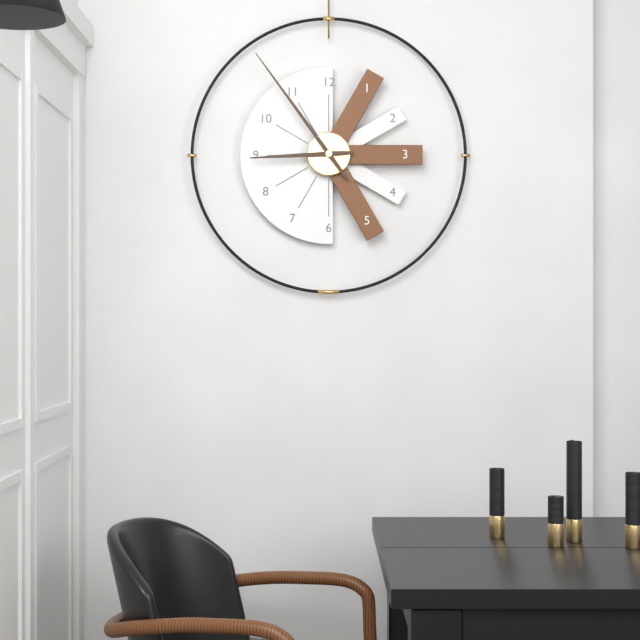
{"hour": 8, "minute": 54}
